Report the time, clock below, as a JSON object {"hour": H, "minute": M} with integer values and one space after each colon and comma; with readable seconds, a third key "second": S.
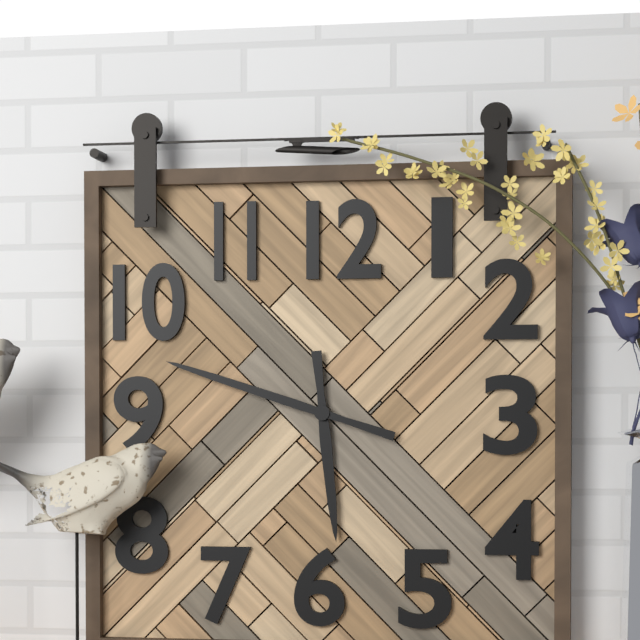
{"hour": 5, "minute": 48}
